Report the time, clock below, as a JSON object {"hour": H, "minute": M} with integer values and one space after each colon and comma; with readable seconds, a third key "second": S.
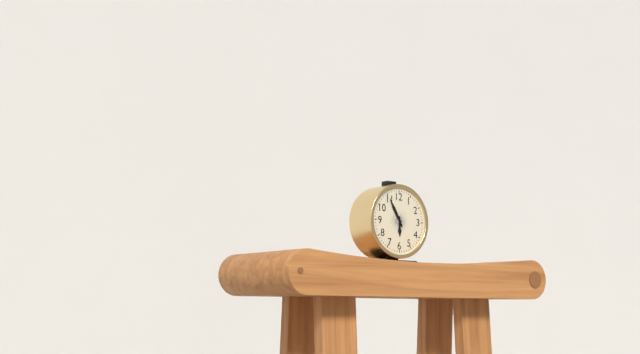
{"hour": 5, "minute": 55}
